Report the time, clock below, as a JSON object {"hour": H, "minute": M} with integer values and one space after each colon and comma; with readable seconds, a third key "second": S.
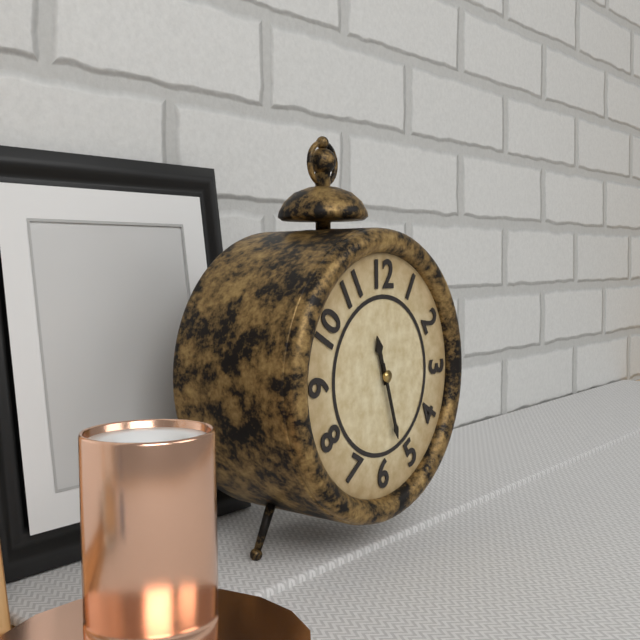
{"hour": 11, "minute": 27}
